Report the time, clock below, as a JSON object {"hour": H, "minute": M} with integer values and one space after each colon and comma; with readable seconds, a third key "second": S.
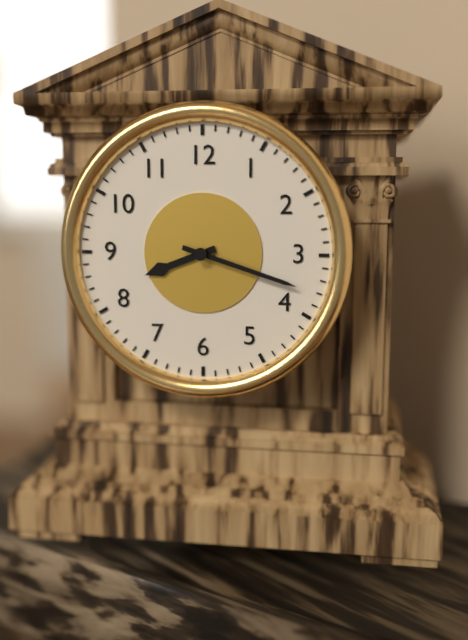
{"hour": 8, "minute": 18}
